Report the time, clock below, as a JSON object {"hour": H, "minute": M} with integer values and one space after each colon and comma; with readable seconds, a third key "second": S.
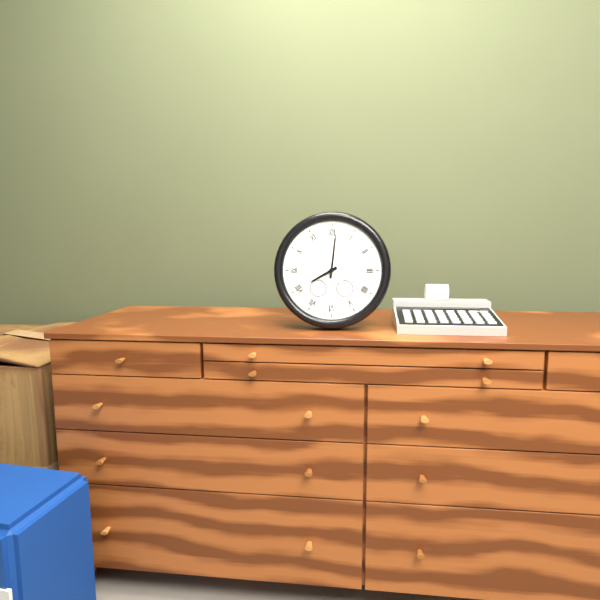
{"hour": 8, "minute": 1}
